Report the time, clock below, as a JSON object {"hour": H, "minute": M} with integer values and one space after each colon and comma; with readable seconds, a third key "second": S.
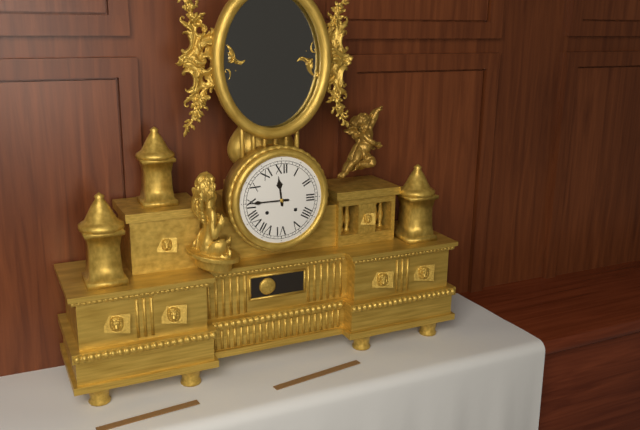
{"hour": 11, "minute": 45}
